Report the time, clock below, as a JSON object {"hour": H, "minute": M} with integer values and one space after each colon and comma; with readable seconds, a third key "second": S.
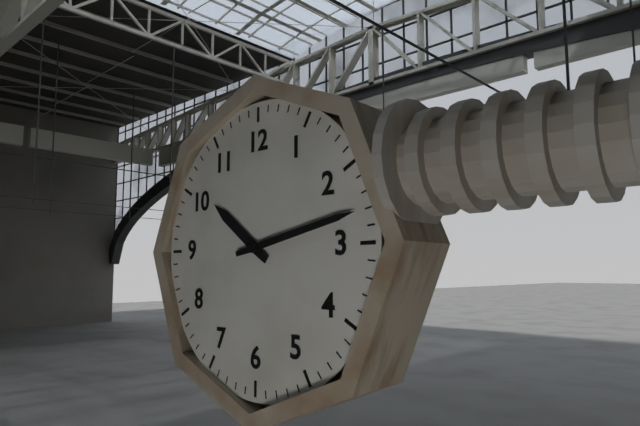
{"hour": 10, "minute": 13}
